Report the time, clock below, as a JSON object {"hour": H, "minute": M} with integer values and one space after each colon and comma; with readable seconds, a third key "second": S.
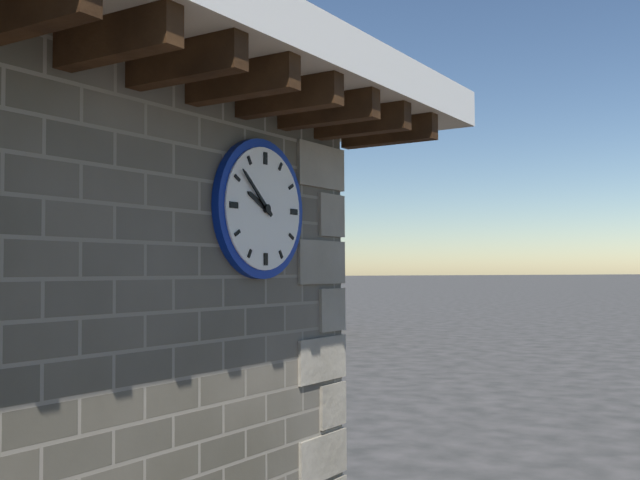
{"hour": 9, "minute": 52}
